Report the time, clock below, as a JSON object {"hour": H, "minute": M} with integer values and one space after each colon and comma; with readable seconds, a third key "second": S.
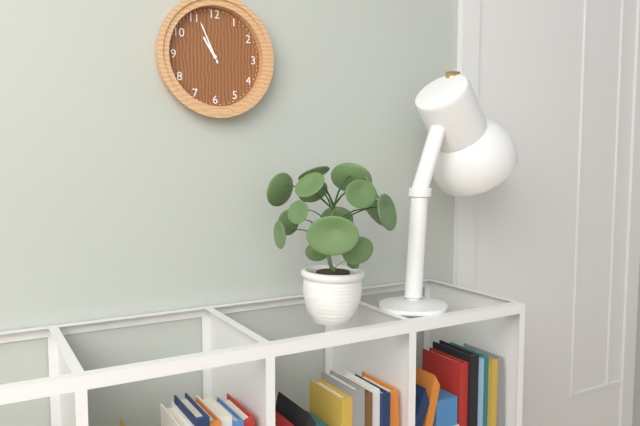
{"hour": 10, "minute": 56}
